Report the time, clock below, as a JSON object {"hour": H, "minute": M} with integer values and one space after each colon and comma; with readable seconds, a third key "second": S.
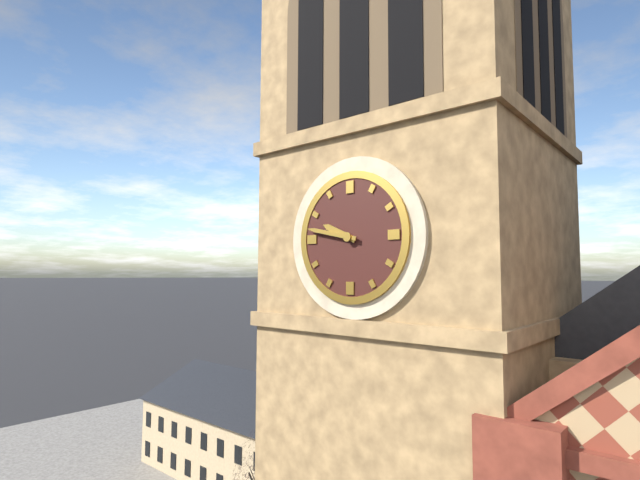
{"hour": 9, "minute": 47}
